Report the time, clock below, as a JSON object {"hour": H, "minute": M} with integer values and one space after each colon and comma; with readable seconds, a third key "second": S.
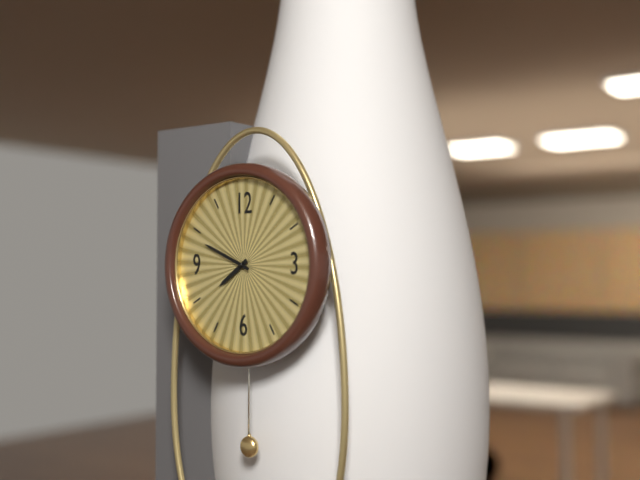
{"hour": 7, "minute": 49}
